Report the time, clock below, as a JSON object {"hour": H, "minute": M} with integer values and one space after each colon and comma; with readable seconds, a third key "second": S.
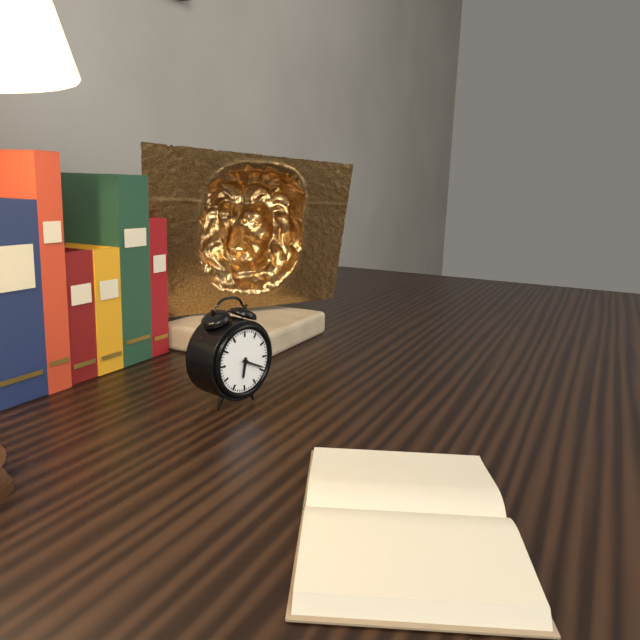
{"hour": 6, "minute": 19}
